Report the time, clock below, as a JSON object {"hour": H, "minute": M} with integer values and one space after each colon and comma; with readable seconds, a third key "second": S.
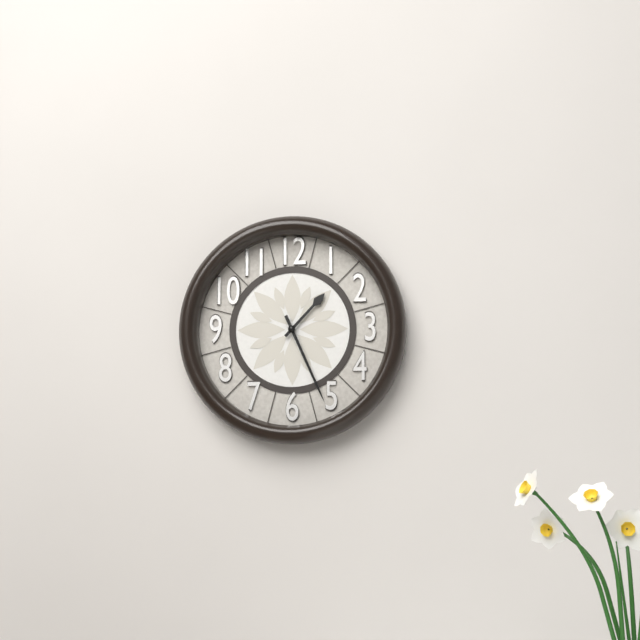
{"hour": 1, "minute": 26}
